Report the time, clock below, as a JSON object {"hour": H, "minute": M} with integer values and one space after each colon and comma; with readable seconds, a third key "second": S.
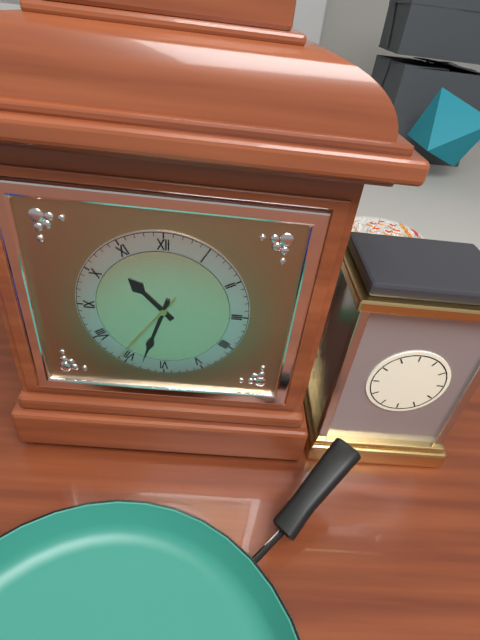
{"hour": 10, "minute": 33, "second": 36}
